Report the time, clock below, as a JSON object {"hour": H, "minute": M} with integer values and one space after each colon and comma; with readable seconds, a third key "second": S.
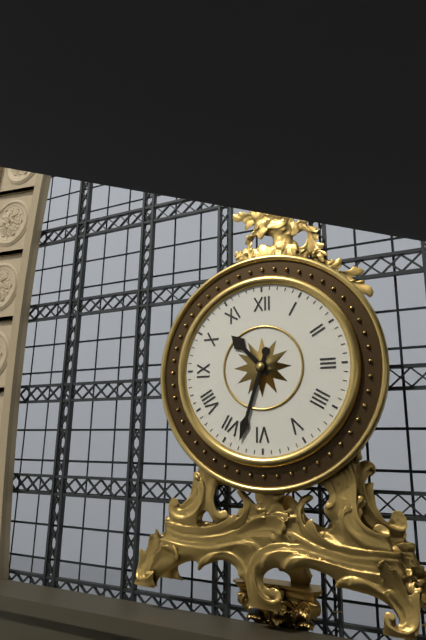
{"hour": 10, "minute": 33}
